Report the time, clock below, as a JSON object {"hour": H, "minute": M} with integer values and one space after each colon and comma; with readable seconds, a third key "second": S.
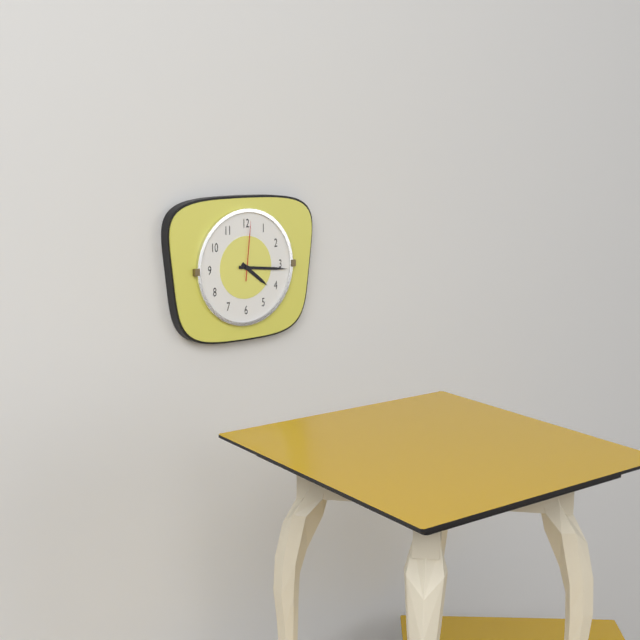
{"hour": 4, "minute": 16, "second": 1}
